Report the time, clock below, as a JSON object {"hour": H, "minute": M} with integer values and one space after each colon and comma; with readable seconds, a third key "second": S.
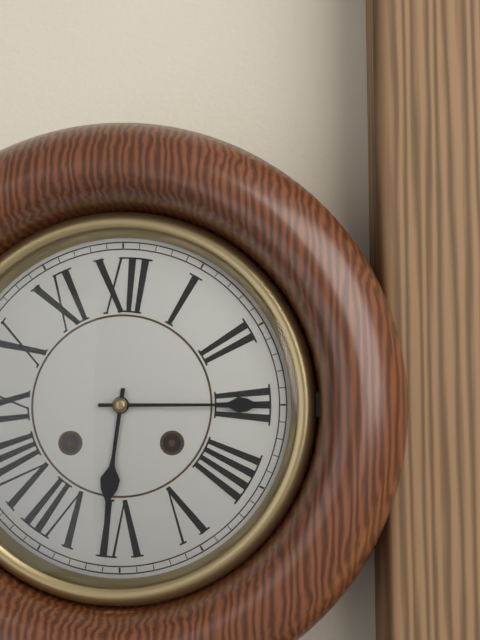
{"hour": 6, "minute": 15}
